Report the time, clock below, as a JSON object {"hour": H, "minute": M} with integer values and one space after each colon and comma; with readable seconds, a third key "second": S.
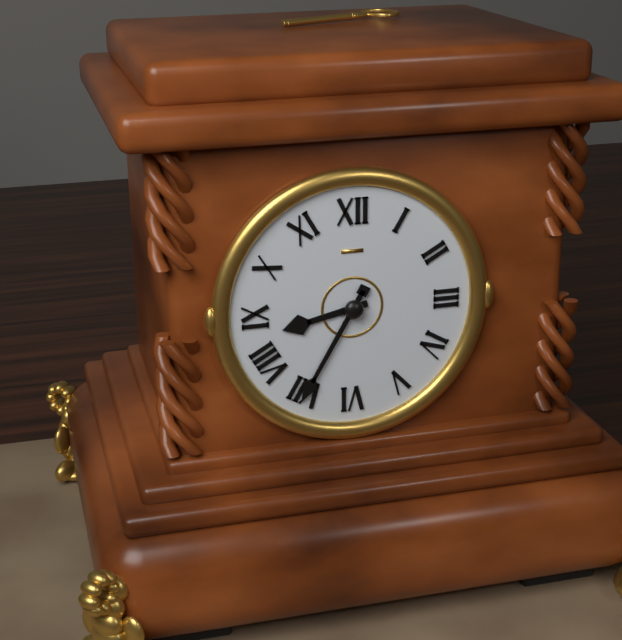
{"hour": 8, "minute": 35}
